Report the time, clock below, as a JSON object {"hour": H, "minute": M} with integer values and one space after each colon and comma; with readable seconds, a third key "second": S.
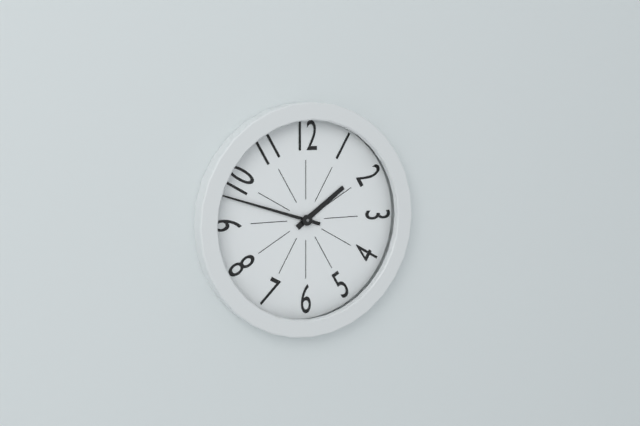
{"hour": 1, "minute": 48}
